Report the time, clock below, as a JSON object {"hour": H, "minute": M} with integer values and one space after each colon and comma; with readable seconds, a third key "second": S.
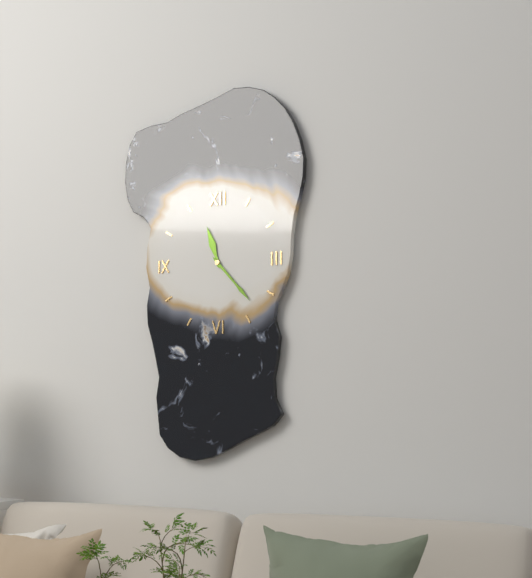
{"hour": 11, "minute": 23}
